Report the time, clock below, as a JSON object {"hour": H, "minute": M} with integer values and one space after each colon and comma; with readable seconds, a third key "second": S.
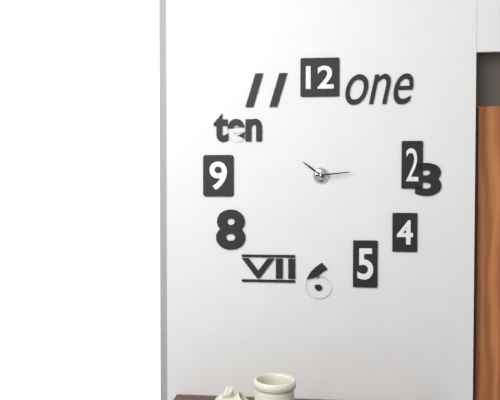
{"hour": 10, "minute": 14}
